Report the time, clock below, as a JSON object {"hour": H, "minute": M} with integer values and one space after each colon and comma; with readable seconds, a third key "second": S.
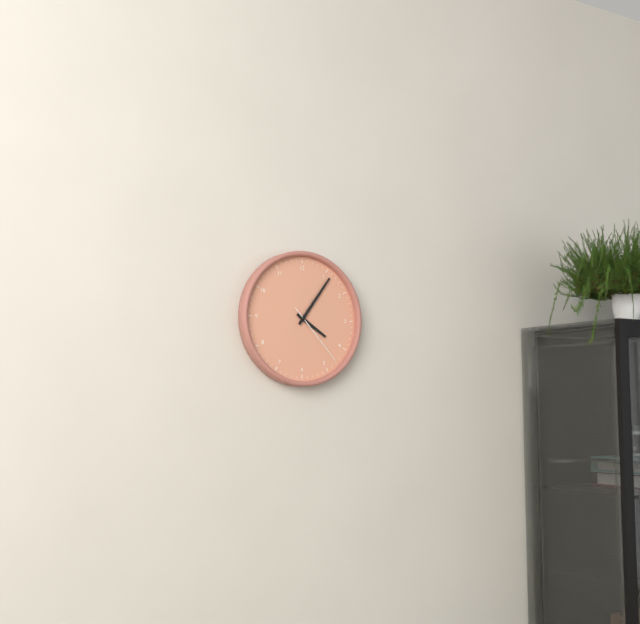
{"hour": 4, "minute": 6, "second": 23}
